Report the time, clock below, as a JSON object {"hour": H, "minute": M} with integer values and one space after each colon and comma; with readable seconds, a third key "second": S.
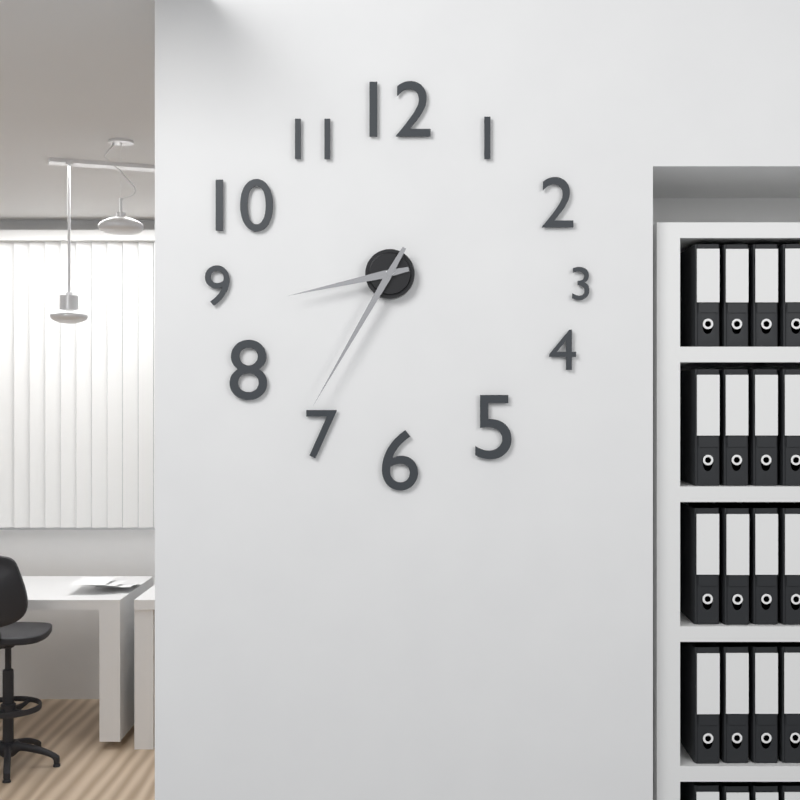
{"hour": 8, "minute": 35}
